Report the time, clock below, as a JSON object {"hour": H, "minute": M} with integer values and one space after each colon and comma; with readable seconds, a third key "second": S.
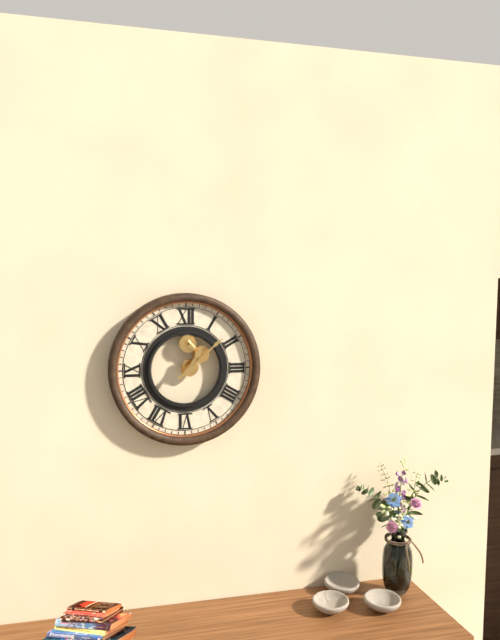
{"hour": 1, "minute": 8}
